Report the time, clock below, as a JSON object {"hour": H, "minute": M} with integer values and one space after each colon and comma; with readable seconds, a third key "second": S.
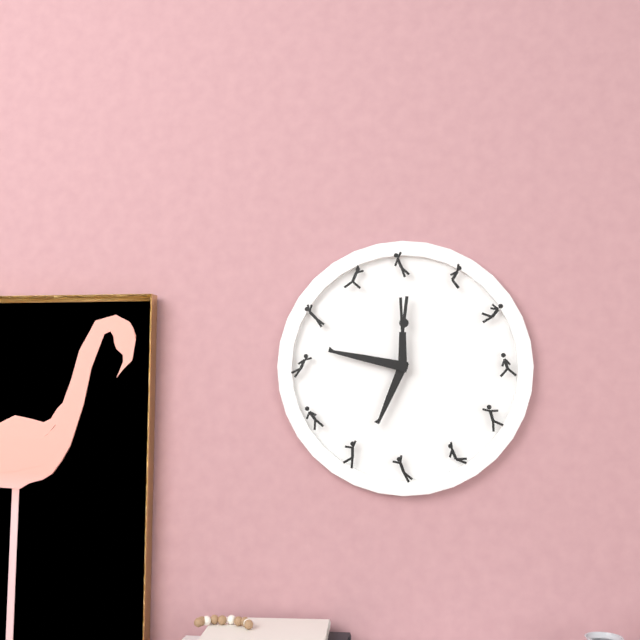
{"hour": 6, "minute": 47}
